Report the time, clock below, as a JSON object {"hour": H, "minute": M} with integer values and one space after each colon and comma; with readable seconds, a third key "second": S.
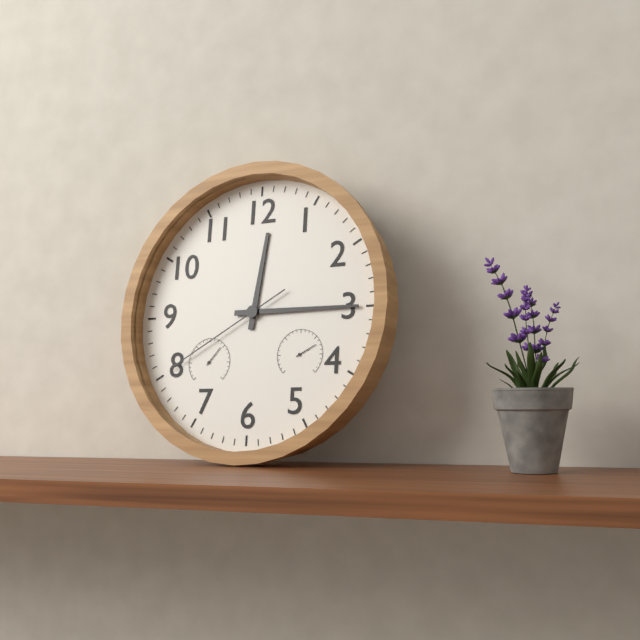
{"hour": 12, "minute": 15, "second": 40}
